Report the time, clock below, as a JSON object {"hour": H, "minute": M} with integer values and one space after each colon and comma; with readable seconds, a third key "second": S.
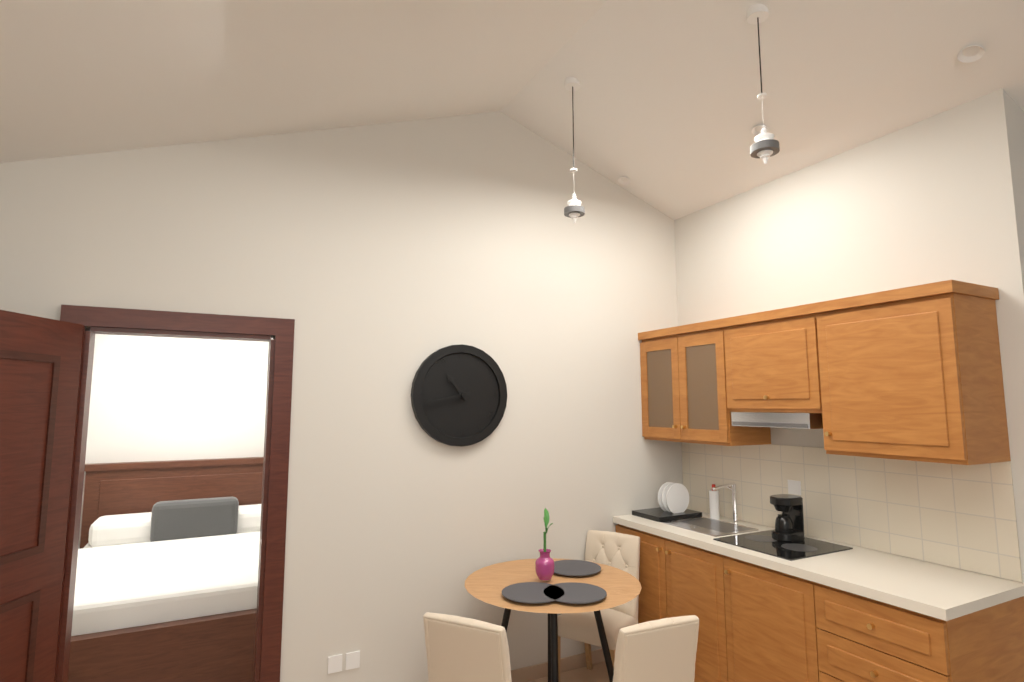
{"hour": 10, "minute": 43}
